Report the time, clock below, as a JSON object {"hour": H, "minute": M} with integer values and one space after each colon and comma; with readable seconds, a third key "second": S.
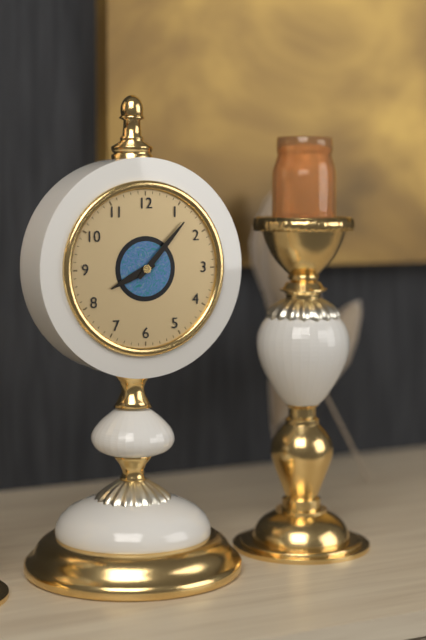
{"hour": 8, "minute": 7}
